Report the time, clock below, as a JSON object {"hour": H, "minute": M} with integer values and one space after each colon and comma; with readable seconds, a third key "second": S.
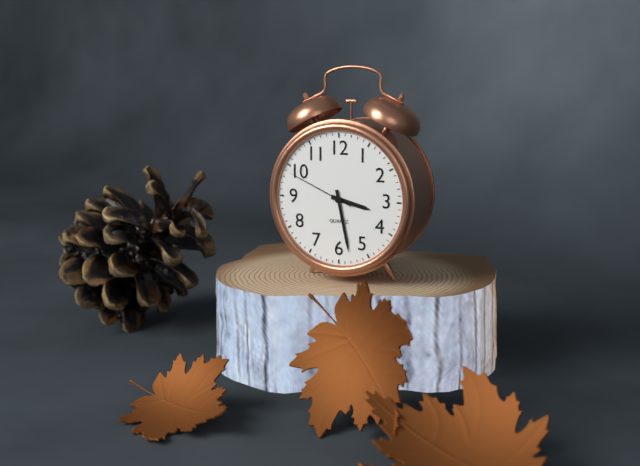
{"hour": 3, "minute": 28, "second": 49}
